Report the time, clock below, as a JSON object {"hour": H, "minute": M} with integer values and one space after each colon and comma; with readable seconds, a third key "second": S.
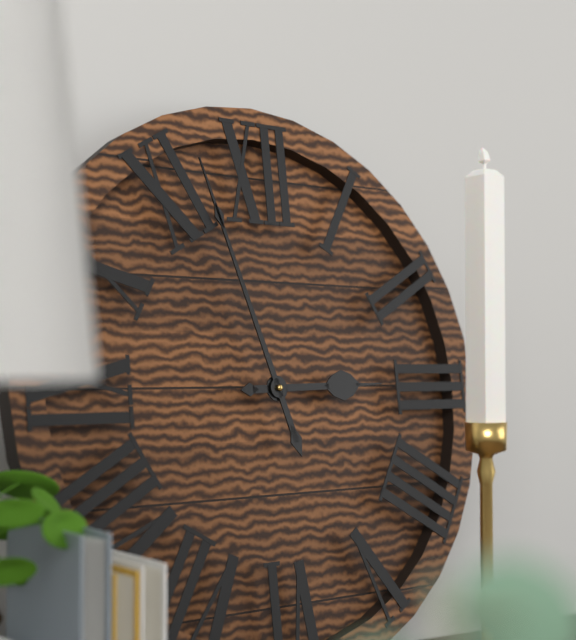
{"hour": 2, "minute": 57}
